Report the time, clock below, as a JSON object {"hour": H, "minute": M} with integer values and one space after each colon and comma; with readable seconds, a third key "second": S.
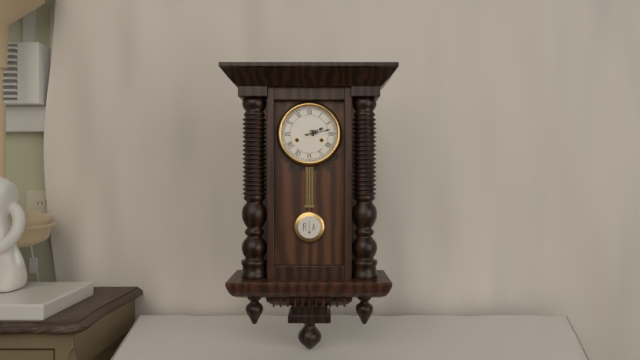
{"hour": 2, "minute": 13}
